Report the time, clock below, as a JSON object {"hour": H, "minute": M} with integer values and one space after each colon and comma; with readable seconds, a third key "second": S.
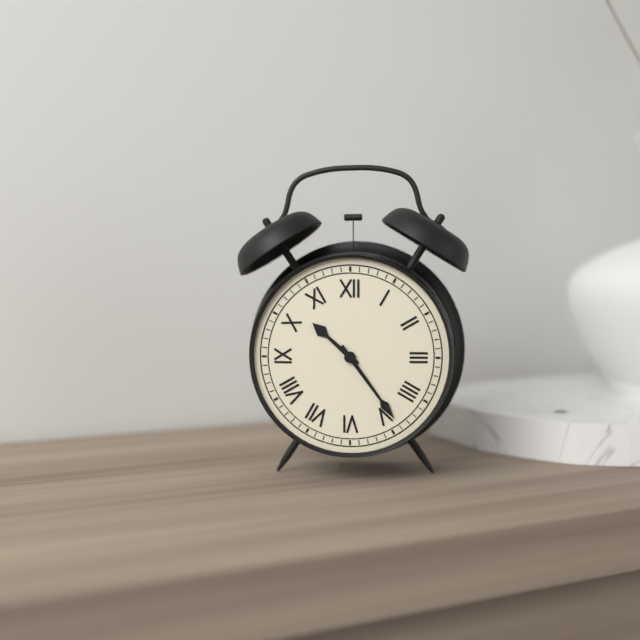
{"hour": 10, "minute": 24}
